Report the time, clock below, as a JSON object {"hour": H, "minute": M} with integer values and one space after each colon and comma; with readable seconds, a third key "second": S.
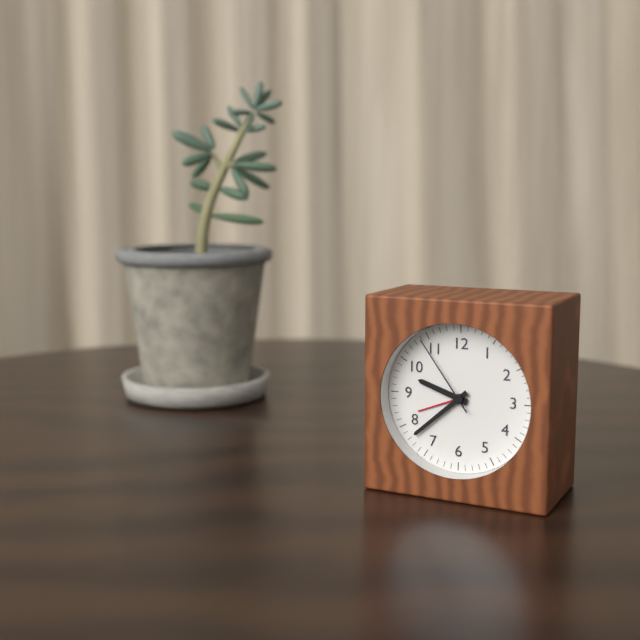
{"hour": 9, "minute": 38, "second": 54}
